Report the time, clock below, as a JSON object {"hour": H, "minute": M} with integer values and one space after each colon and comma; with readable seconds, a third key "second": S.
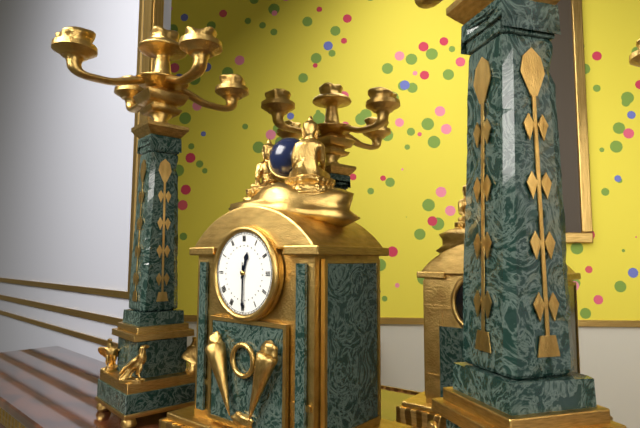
{"hour": 12, "minute": 30}
